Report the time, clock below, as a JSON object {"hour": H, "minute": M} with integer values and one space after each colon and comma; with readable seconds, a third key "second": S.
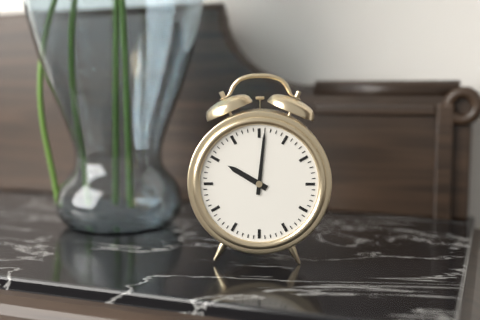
{"hour": 10, "minute": 1}
